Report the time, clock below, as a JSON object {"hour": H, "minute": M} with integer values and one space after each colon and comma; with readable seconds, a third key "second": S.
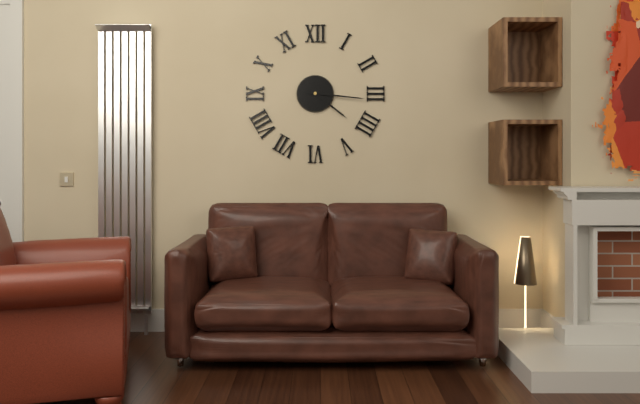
{"hour": 4, "minute": 16}
